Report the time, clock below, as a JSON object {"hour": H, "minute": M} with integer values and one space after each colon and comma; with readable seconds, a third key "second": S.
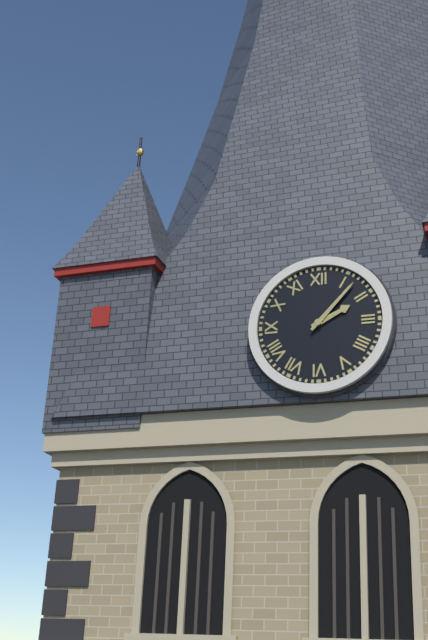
{"hour": 2, "minute": 7}
